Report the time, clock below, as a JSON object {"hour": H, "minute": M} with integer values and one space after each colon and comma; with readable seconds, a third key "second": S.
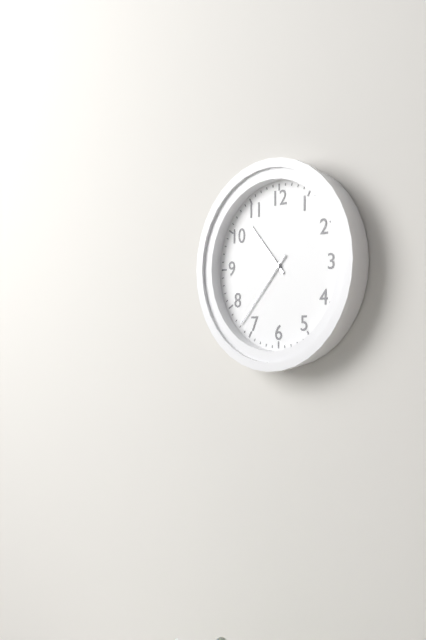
{"hour": 10, "minute": 37}
